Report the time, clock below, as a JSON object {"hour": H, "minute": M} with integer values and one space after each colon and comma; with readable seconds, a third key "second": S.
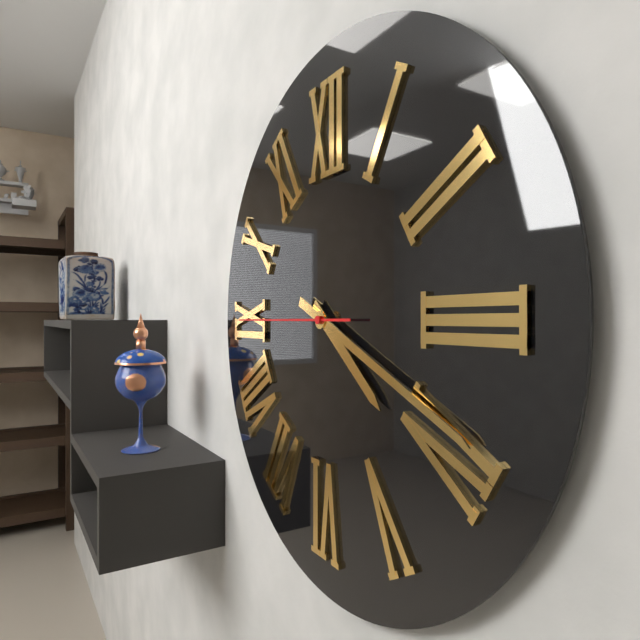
{"hour": 4, "minute": 19, "second": 45}
